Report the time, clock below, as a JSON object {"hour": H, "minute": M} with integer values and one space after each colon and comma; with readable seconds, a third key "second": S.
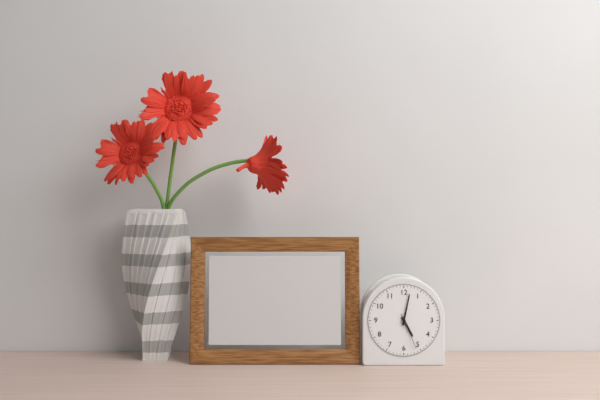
{"hour": 5, "minute": 2}
